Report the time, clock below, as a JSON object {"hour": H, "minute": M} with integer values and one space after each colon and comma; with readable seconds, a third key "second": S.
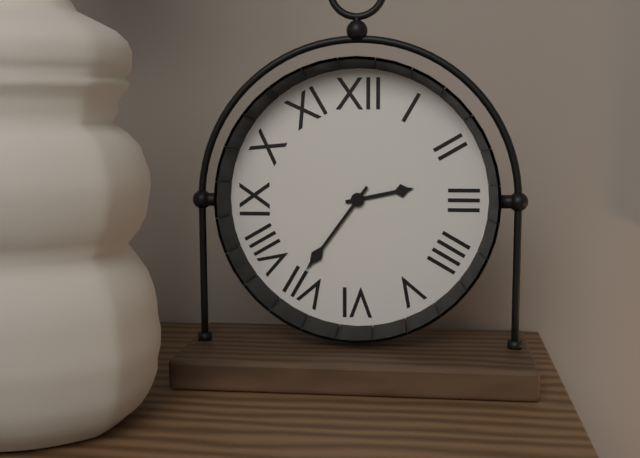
{"hour": 2, "minute": 36}
